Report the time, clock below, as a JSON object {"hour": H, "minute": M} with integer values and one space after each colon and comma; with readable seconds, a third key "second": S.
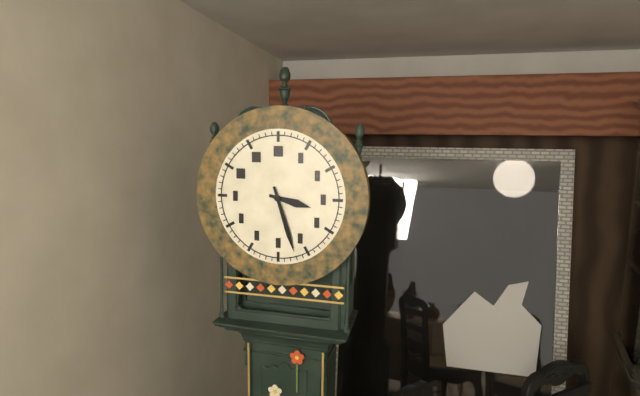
{"hour": 3, "minute": 27}
